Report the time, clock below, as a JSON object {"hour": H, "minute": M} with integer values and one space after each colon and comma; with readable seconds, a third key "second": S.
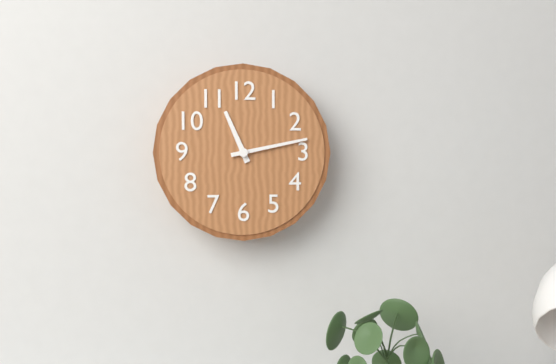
{"hour": 11, "minute": 13}
